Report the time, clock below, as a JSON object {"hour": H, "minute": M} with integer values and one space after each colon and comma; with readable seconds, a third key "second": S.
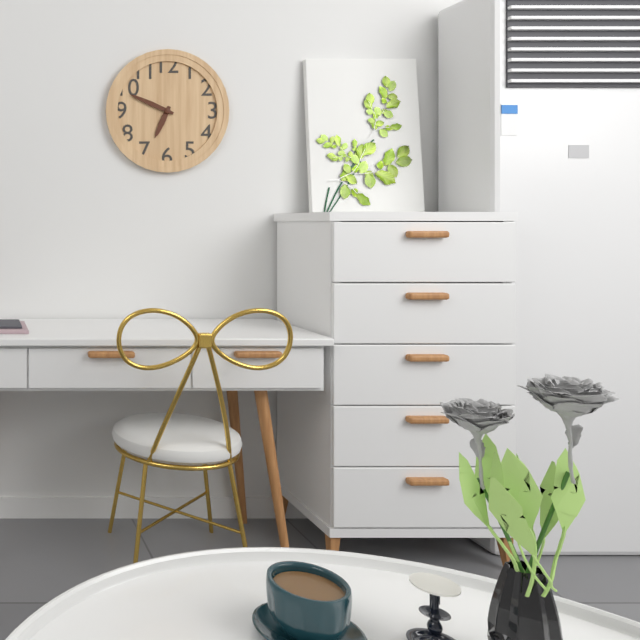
{"hour": 6, "minute": 49}
